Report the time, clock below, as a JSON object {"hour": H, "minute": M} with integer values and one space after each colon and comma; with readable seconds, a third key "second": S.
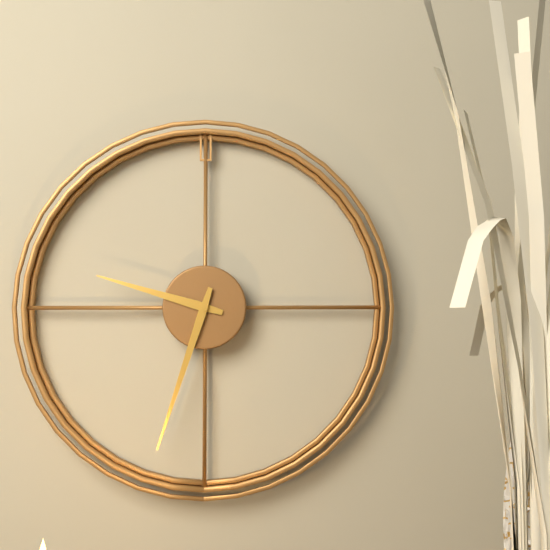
{"hour": 9, "minute": 33}
